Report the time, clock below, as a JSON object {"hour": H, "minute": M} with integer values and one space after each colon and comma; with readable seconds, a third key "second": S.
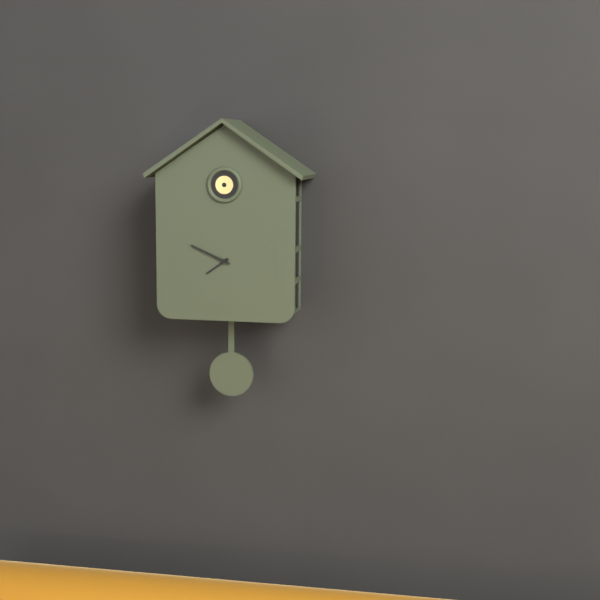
{"hour": 7, "minute": 49}
